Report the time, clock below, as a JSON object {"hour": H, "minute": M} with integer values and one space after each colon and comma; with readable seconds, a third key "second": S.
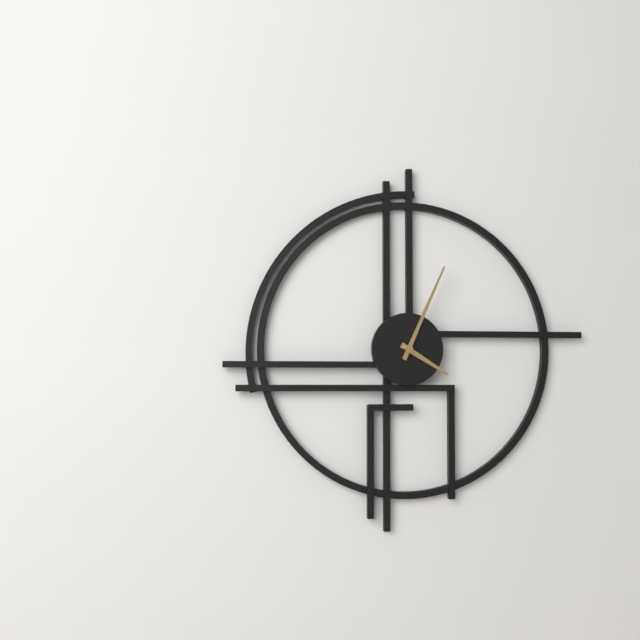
{"hour": 4, "minute": 4}
